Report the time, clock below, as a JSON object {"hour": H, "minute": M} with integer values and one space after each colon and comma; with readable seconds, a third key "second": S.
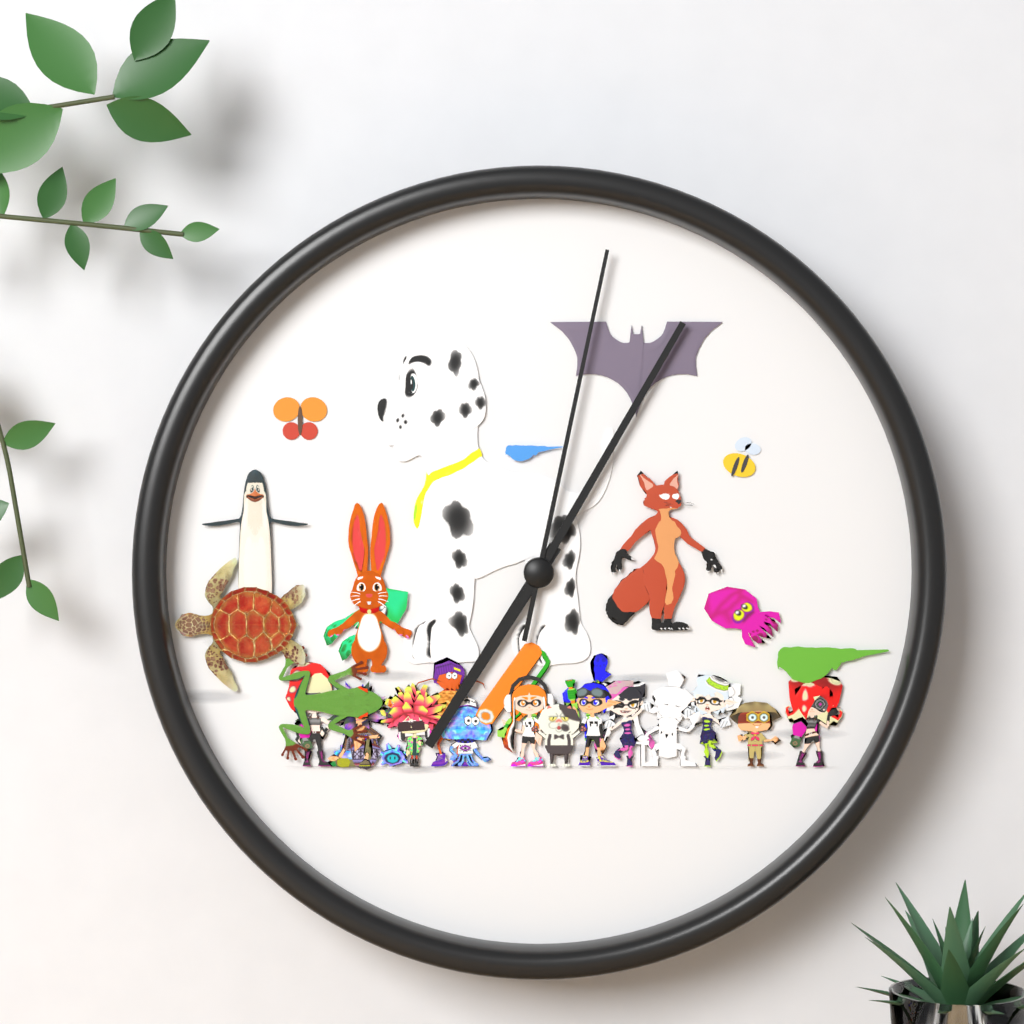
{"hour": 7, "minute": 5, "second": 2}
